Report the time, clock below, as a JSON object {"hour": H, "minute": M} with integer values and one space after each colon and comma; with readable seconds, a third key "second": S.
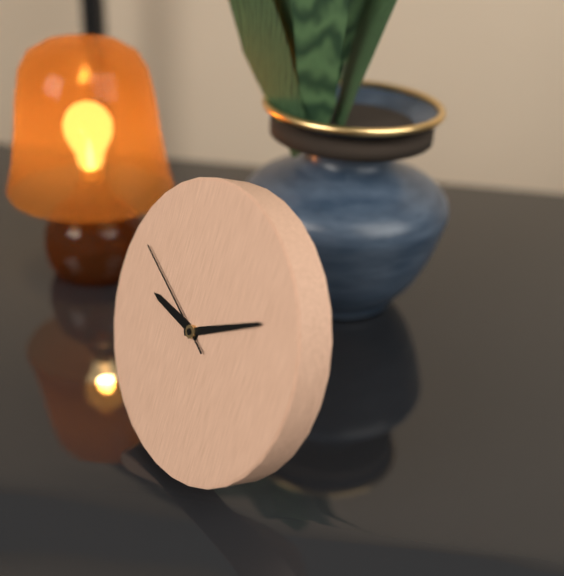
{"hour": 9, "minute": 10, "second": 49}
